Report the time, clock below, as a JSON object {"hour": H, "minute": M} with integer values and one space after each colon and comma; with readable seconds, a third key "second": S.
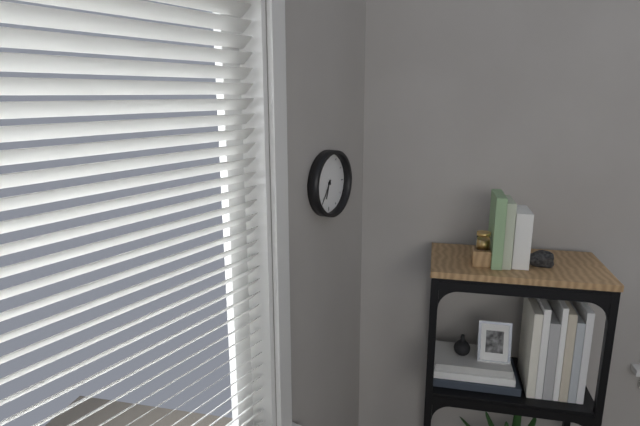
{"hour": 6, "minute": 36}
